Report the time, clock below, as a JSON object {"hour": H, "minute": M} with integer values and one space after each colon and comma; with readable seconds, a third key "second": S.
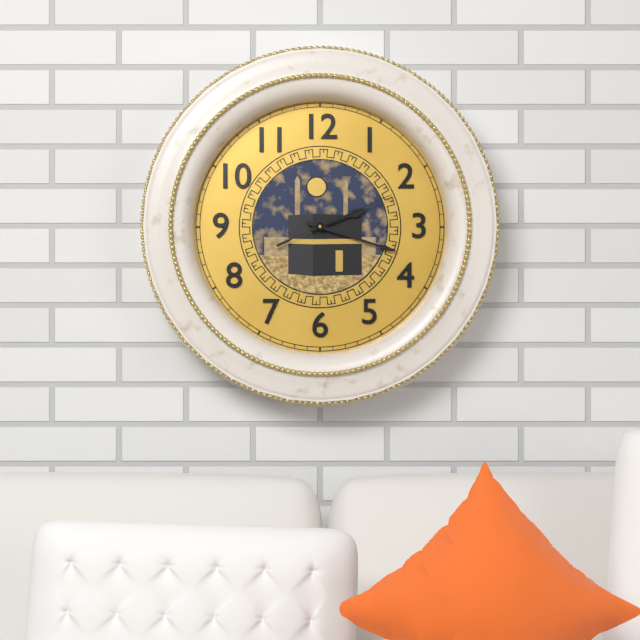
{"hour": 2, "minute": 18, "second": 11}
